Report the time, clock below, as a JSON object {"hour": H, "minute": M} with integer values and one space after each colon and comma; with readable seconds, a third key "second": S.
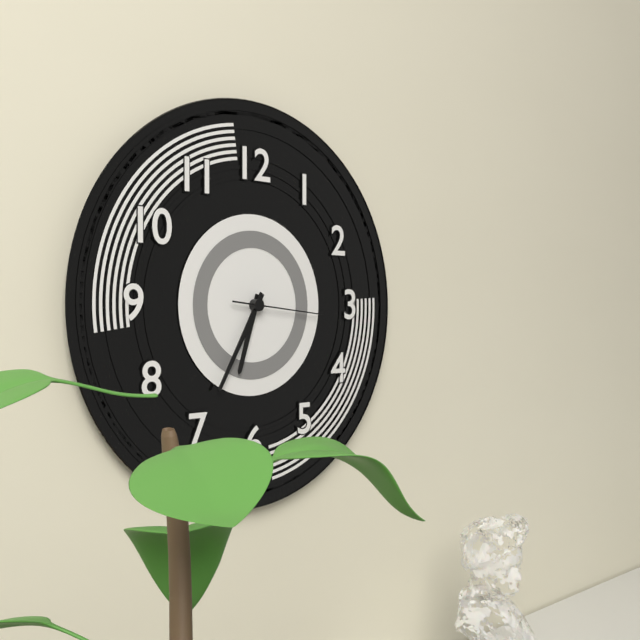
{"hour": 6, "minute": 35, "second": 16}
